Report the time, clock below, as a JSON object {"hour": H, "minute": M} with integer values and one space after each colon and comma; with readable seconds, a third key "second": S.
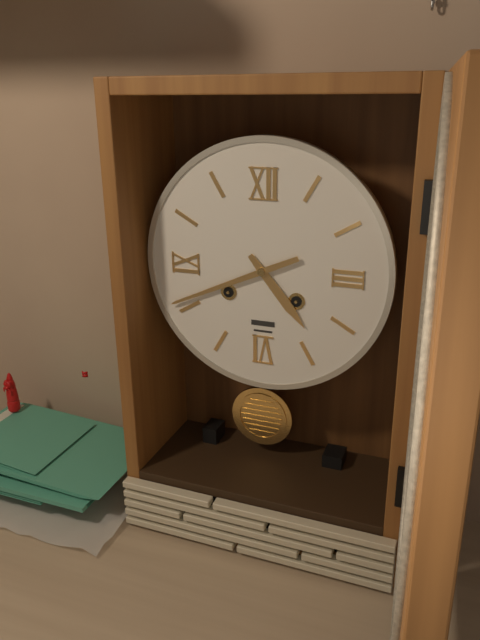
{"hour": 4, "minute": 41}
